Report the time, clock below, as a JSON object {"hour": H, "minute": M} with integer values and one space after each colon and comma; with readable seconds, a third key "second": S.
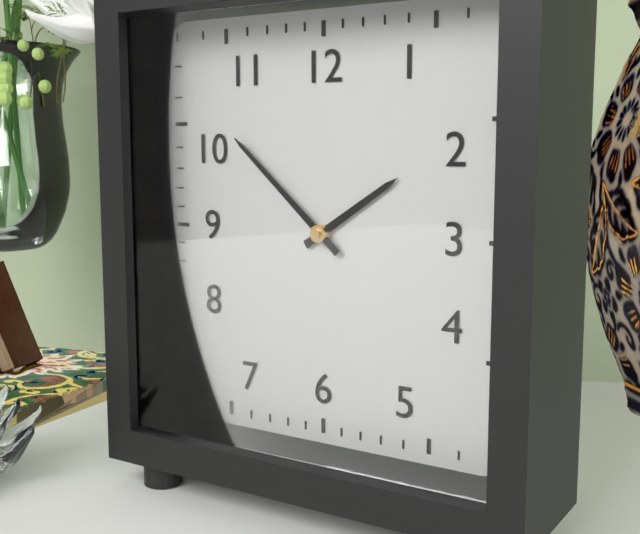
{"hour": 1, "minute": 52}
